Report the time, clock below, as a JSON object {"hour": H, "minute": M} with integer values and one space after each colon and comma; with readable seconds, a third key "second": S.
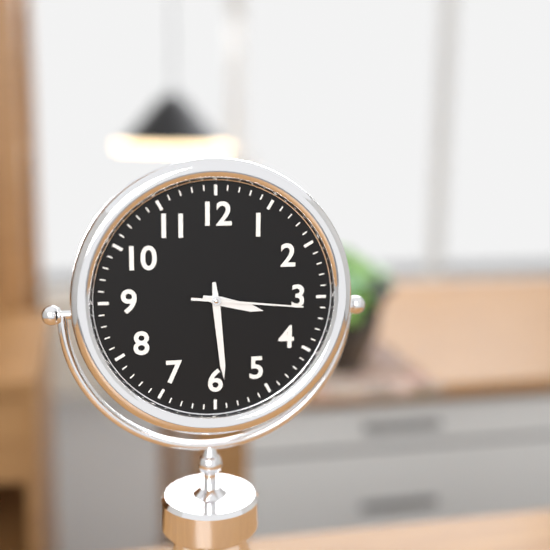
{"hour": 3, "minute": 29, "second": 16}
